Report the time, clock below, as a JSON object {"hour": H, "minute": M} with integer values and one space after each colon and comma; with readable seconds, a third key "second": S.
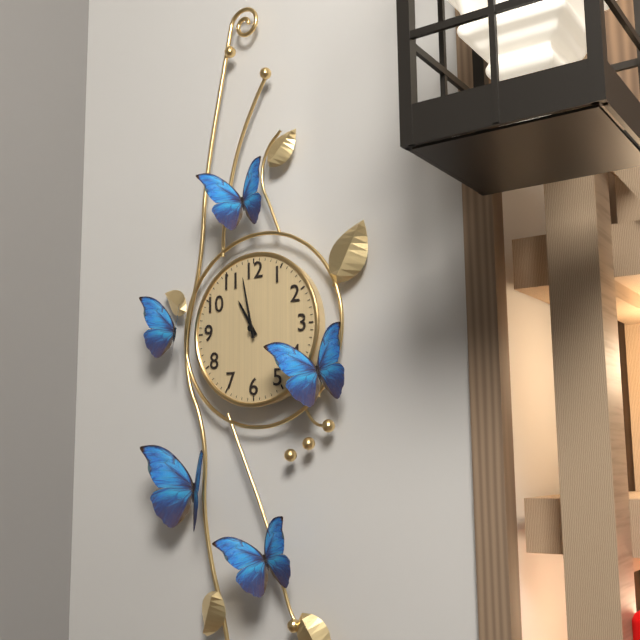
{"hour": 10, "minute": 58}
